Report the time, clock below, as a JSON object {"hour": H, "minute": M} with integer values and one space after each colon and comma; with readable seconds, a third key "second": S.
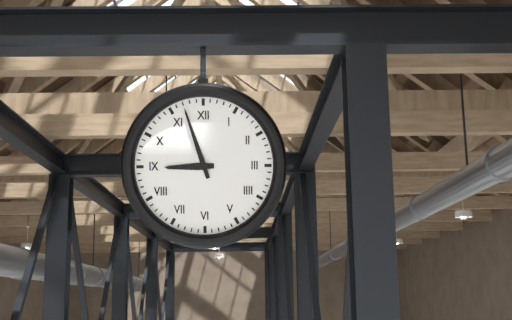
{"hour": 8, "minute": 57}
